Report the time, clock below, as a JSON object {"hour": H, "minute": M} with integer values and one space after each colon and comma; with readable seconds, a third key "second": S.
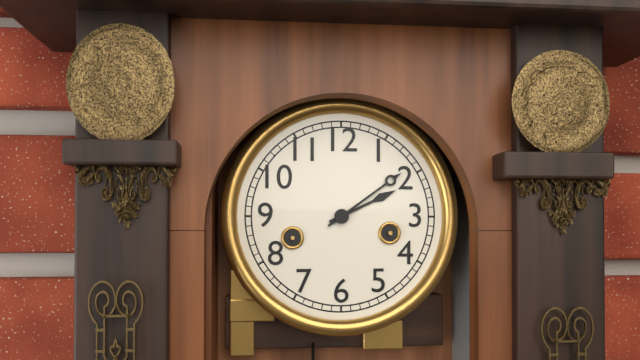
{"hour": 2, "minute": 9}
